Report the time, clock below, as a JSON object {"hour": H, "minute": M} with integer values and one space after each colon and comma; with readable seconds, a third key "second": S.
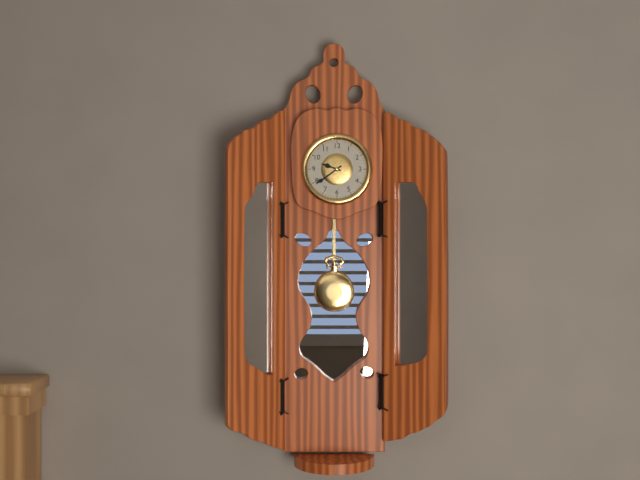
{"hour": 9, "minute": 39}
